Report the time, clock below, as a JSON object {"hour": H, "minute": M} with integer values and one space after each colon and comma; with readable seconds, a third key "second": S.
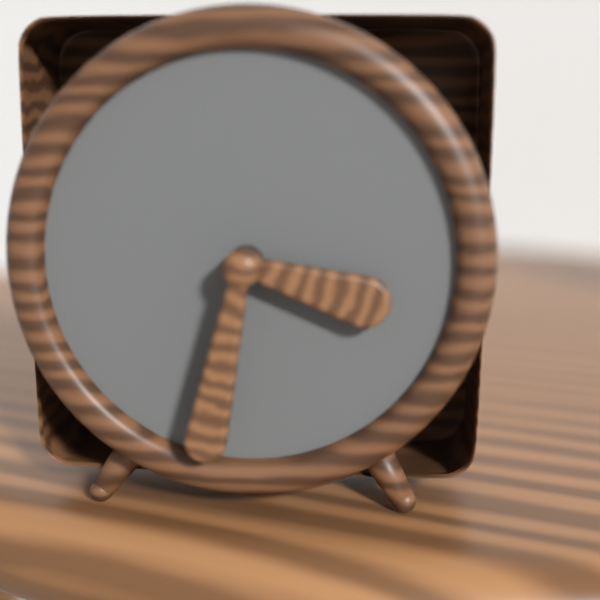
{"hour": 3, "minute": 32}
